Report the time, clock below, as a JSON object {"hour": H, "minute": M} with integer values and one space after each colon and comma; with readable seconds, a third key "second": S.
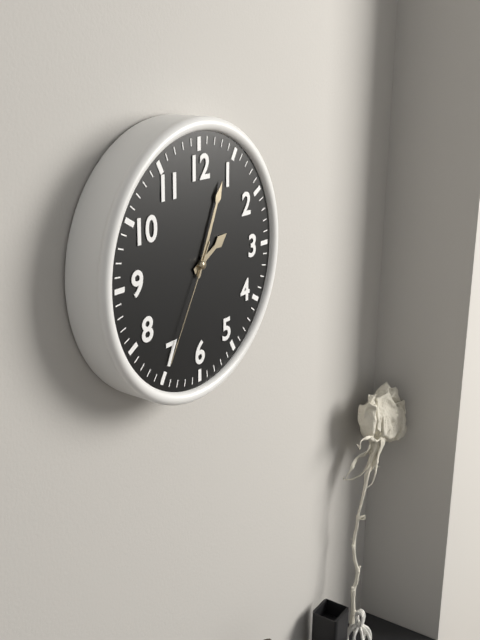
{"hour": 2, "minute": 4, "second": 35}
